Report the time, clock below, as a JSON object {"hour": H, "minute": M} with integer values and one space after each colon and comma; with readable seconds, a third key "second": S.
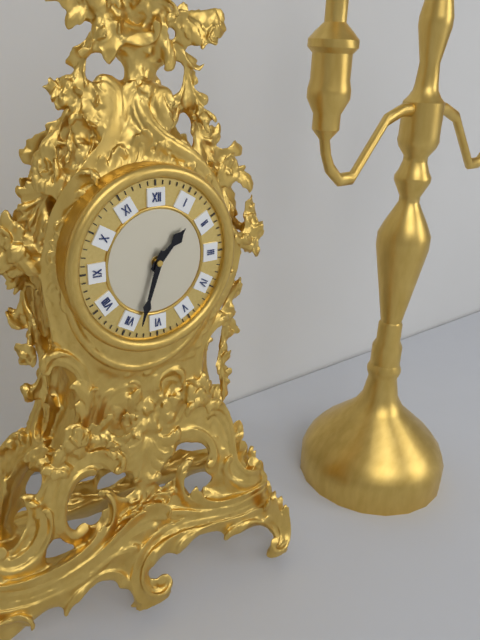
{"hour": 1, "minute": 33}
